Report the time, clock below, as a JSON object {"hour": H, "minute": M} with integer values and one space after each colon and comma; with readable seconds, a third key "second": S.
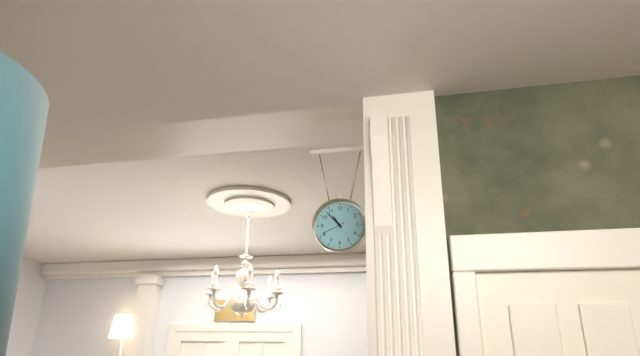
{"hour": 10, "minute": 53}
